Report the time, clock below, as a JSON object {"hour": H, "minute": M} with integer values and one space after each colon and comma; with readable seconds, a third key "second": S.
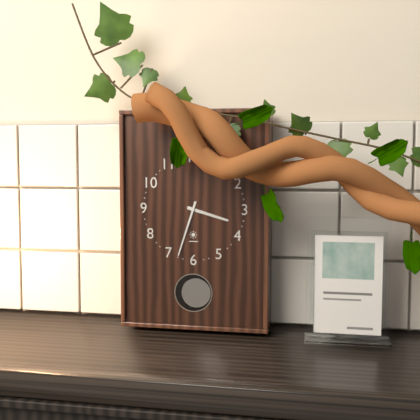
{"hour": 3, "minute": 33}
